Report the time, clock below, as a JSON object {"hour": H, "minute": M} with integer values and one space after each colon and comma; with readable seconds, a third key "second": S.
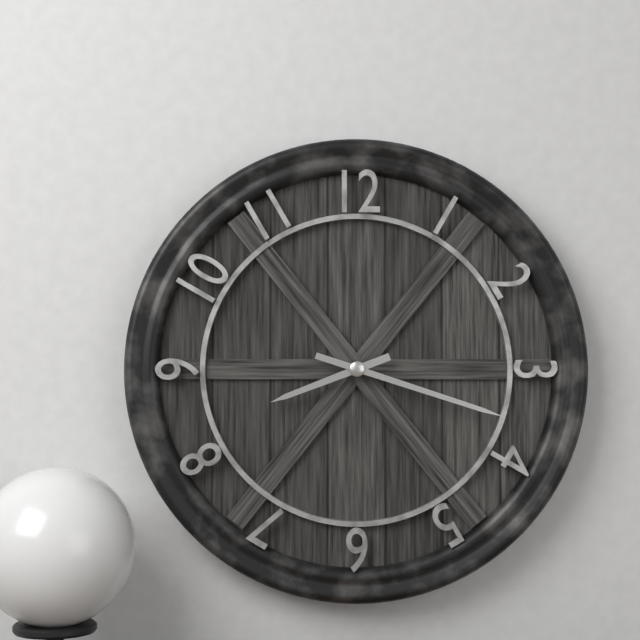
{"hour": 8, "minute": 18}
